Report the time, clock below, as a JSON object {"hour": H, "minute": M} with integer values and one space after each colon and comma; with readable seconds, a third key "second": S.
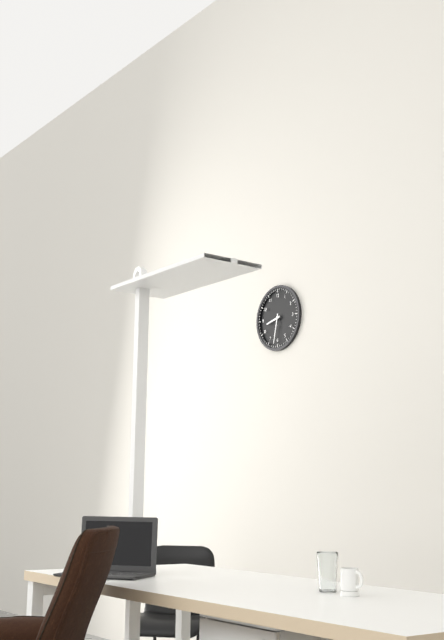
{"hour": 8, "minute": 32}
